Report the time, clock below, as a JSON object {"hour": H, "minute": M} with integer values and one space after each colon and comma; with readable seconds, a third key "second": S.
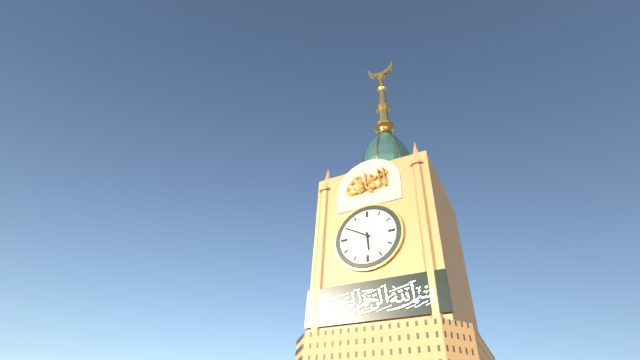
{"hour": 5, "minute": 50}
